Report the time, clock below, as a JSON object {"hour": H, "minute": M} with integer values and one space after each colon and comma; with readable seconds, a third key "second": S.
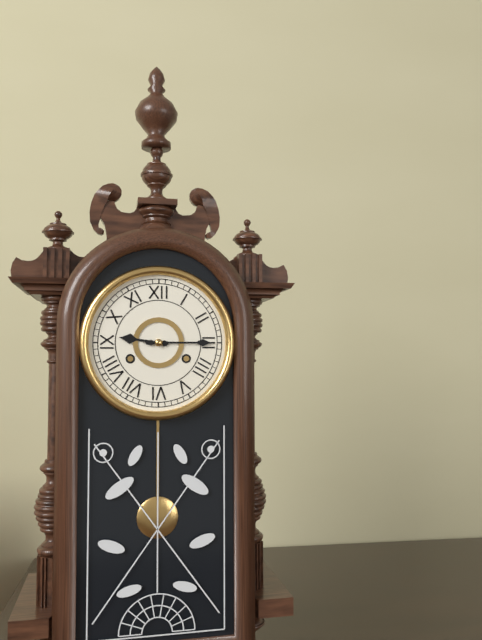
{"hour": 9, "minute": 15}
